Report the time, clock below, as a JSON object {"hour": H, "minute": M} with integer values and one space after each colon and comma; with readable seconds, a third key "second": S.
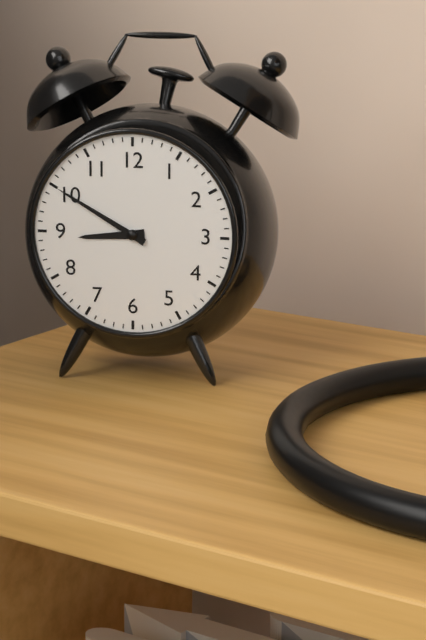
{"hour": 8, "minute": 50}
